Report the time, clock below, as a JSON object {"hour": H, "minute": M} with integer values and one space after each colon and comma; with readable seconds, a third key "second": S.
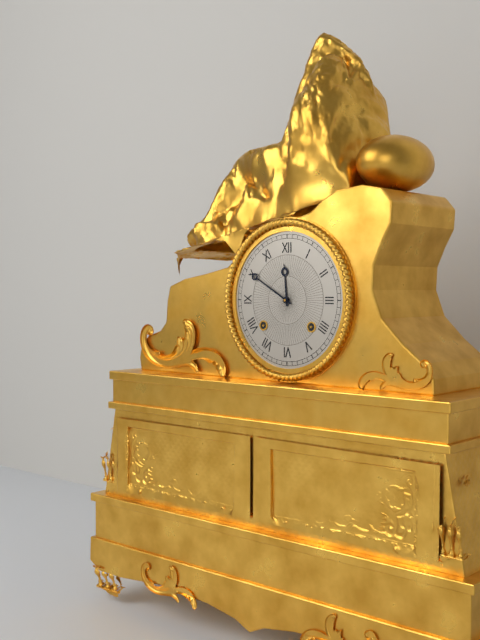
{"hour": 11, "minute": 50}
